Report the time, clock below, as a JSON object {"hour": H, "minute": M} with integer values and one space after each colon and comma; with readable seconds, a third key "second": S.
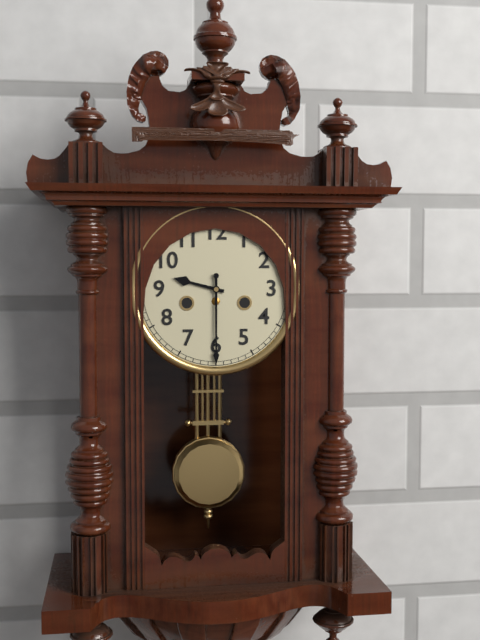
{"hour": 9, "minute": 30}
